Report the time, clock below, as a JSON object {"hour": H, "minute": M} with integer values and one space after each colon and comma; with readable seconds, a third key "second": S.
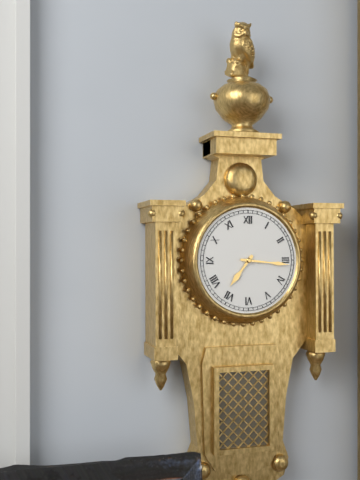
{"hour": 7, "minute": 16}
